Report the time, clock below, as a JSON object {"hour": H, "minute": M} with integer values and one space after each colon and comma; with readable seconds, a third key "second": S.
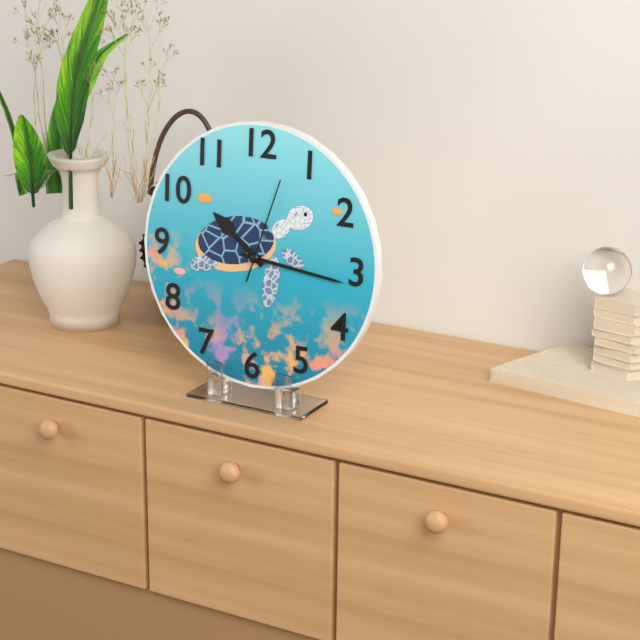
{"hour": 10, "minute": 16, "second": 3}
